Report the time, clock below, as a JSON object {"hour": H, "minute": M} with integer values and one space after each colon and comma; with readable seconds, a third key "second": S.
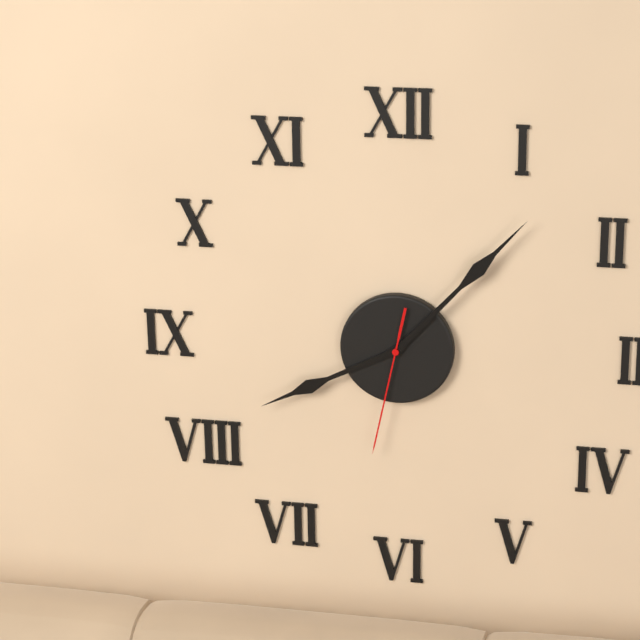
{"hour": 8, "minute": 7, "second": 32}
